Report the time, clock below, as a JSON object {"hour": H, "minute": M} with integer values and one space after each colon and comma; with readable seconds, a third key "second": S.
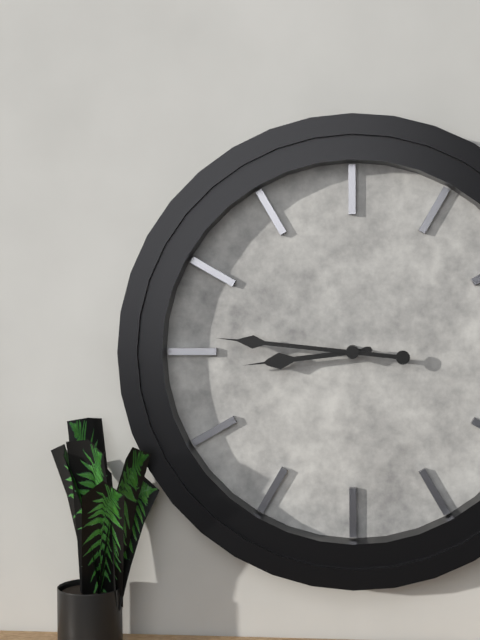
{"hour": 8, "minute": 46}
